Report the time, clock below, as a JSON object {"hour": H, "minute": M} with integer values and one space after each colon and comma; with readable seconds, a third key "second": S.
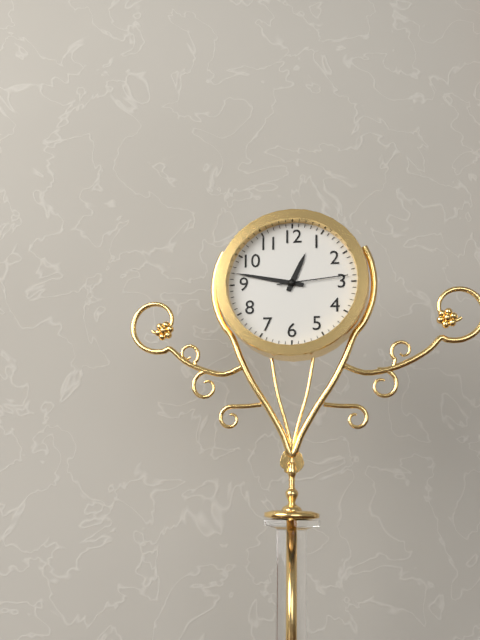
{"hour": 12, "minute": 47, "second": 14}
